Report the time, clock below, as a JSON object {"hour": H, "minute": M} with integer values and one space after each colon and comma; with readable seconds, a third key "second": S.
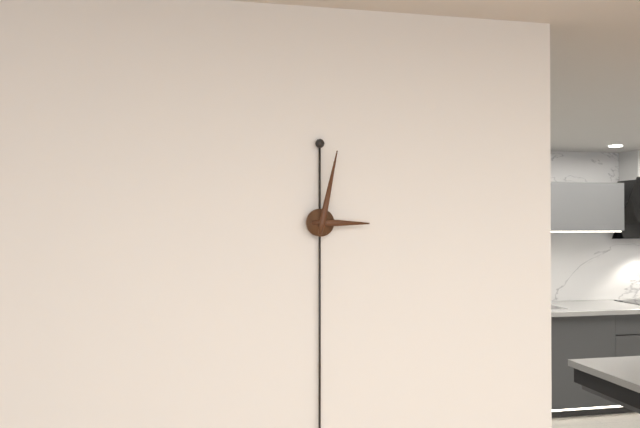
{"hour": 3, "minute": 2}
